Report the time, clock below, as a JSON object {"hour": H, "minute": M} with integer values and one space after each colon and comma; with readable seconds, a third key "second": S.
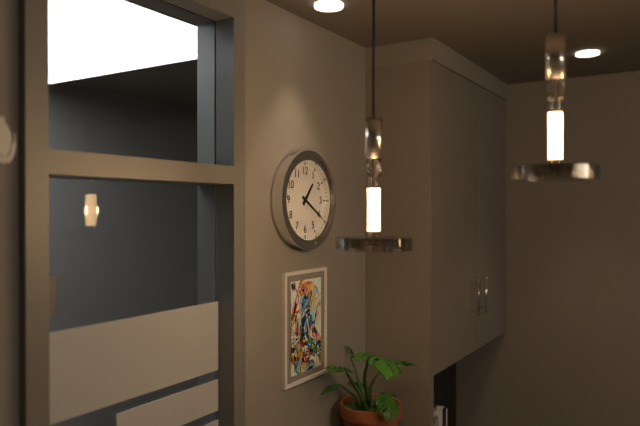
{"hour": 1, "minute": 20}
